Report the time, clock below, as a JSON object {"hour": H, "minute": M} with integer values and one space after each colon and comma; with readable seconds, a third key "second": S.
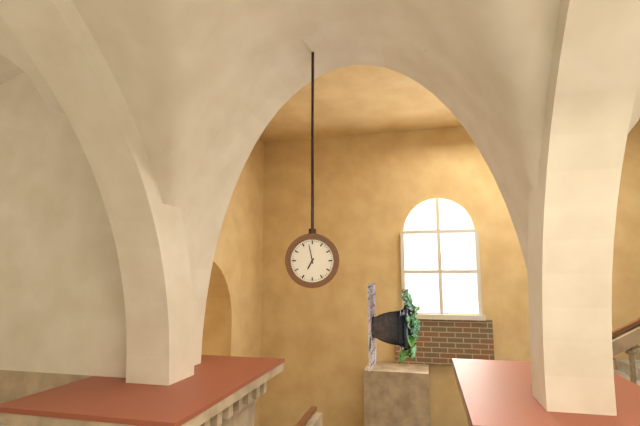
{"hour": 6, "minute": 58}
